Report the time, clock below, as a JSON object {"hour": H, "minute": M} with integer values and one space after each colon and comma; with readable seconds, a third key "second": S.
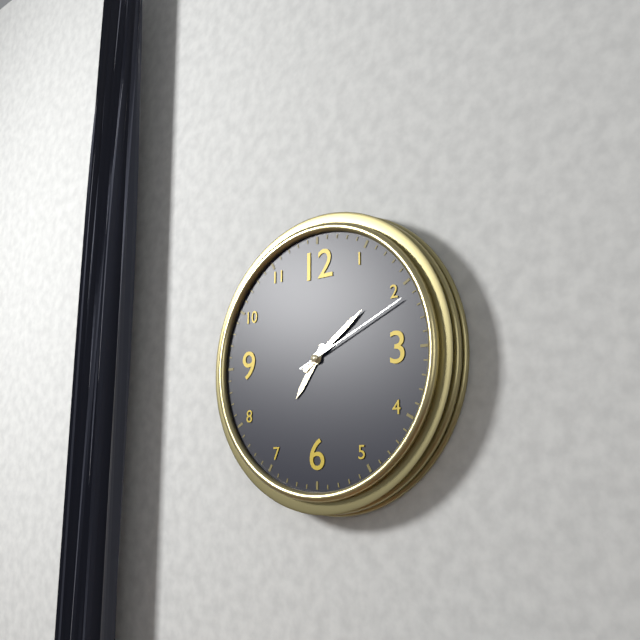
{"hour": 7, "minute": 9, "second": 11}
